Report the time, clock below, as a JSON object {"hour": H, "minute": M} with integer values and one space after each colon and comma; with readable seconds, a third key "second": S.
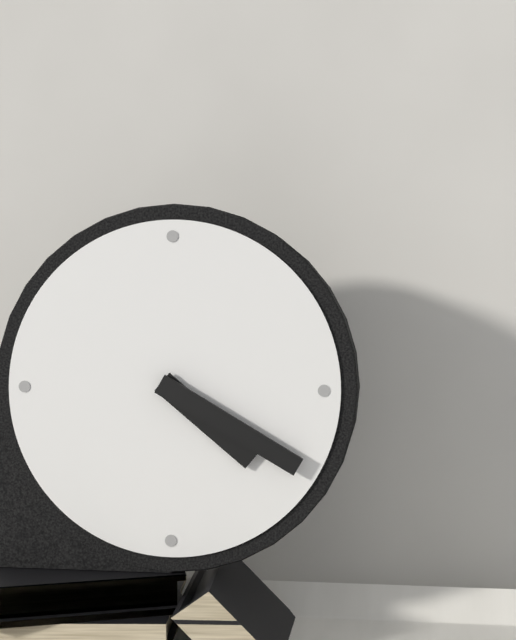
{"hour": 4, "minute": 20}
